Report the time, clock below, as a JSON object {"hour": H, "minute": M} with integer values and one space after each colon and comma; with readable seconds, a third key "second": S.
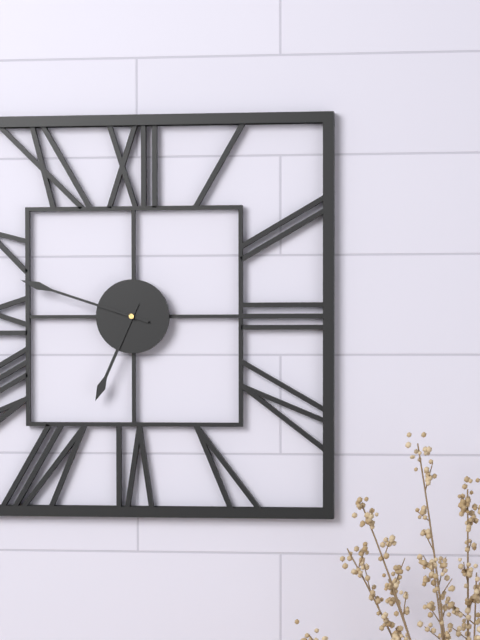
{"hour": 6, "minute": 48}
